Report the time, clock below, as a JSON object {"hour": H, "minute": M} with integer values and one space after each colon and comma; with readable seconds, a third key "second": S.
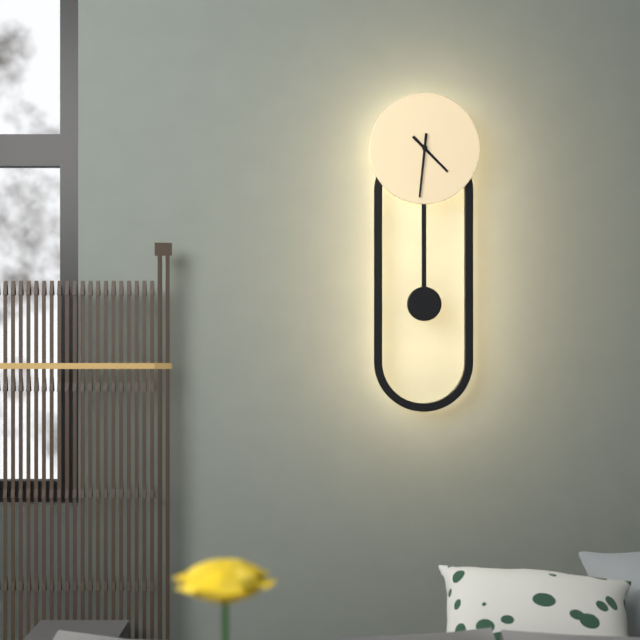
{"hour": 4, "minute": 31}
